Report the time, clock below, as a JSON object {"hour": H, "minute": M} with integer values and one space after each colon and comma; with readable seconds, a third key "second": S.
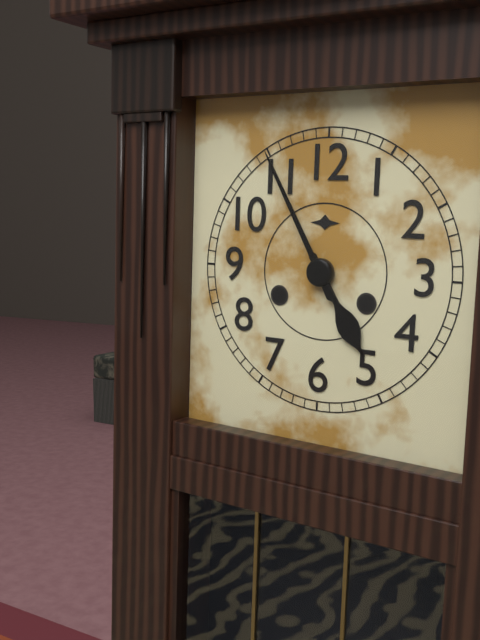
{"hour": 4, "minute": 55}
